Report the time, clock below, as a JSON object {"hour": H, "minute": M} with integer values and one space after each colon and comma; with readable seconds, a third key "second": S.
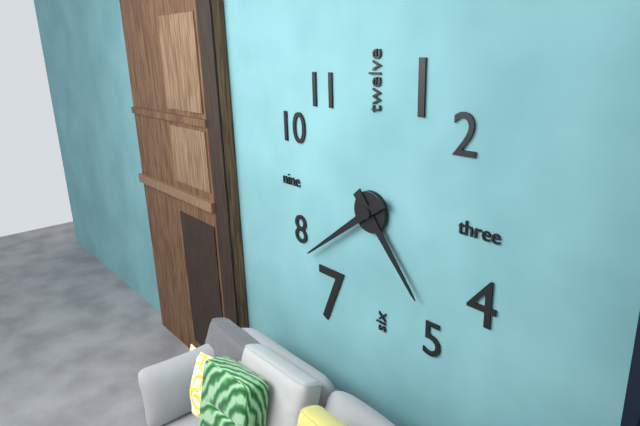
{"hour": 4, "minute": 39}
